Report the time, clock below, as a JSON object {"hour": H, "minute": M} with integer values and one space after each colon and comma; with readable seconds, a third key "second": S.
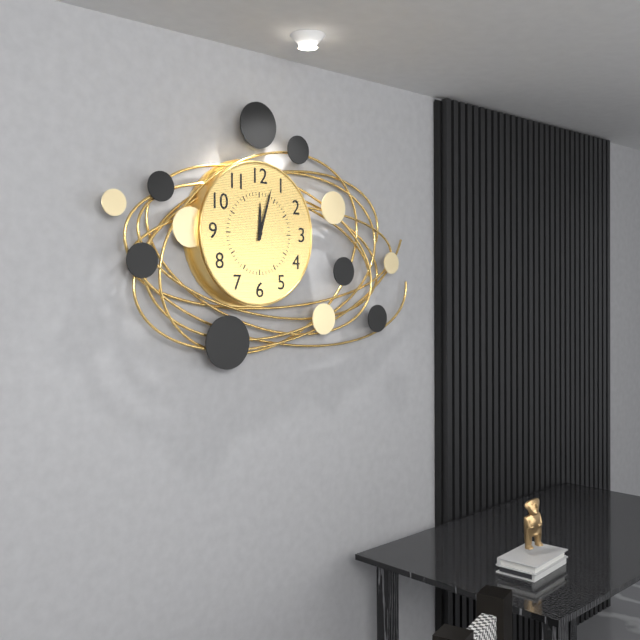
{"hour": 12, "minute": 3}
